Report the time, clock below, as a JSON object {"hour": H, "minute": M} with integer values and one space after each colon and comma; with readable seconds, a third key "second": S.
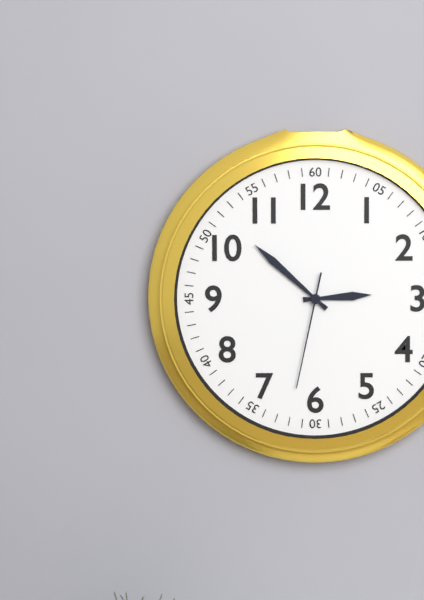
{"hour": 2, "minute": 52, "second": 32}
